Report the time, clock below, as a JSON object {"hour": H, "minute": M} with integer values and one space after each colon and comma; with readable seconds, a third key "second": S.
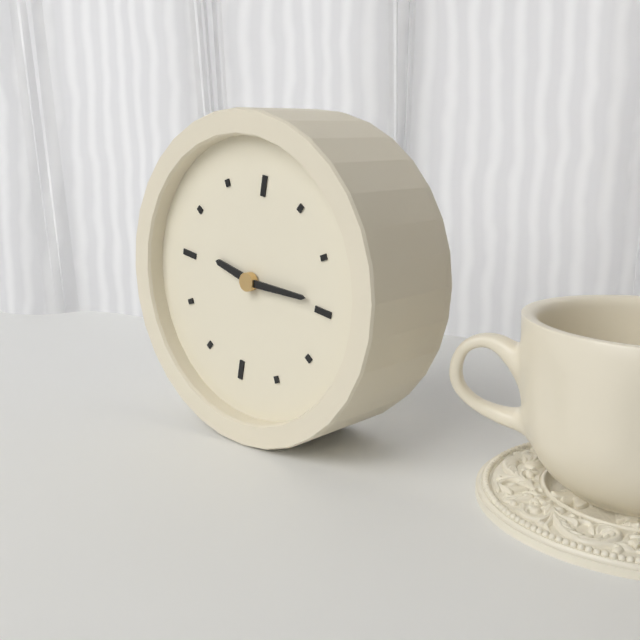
{"hour": 9, "minute": 14}
